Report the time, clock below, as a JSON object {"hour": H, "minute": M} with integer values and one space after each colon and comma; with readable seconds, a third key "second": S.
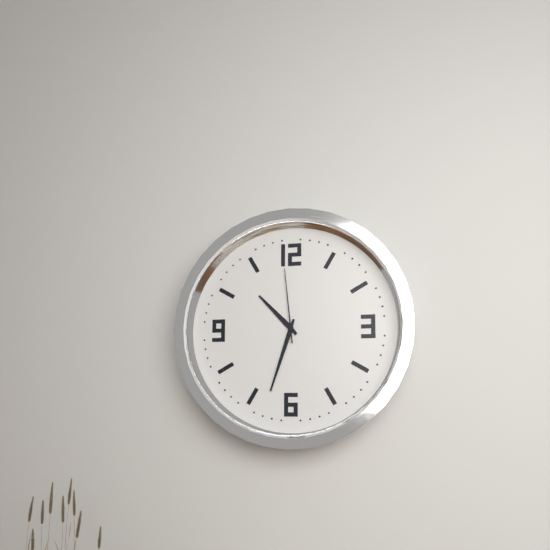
{"hour": 10, "minute": 33, "second": 59}
